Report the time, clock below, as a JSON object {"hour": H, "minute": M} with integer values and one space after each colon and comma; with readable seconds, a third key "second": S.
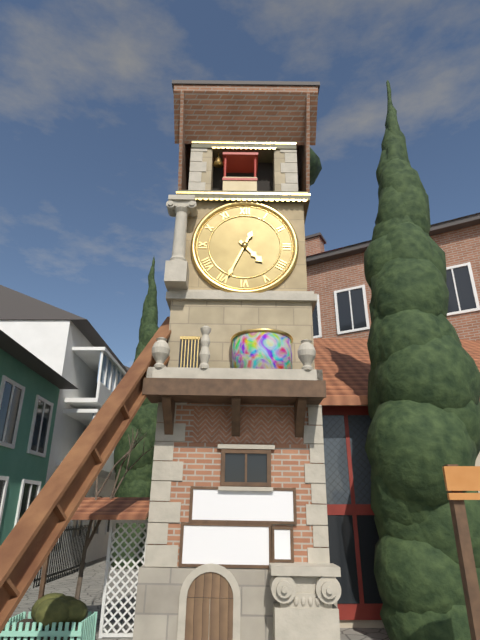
{"hour": 4, "minute": 34}
